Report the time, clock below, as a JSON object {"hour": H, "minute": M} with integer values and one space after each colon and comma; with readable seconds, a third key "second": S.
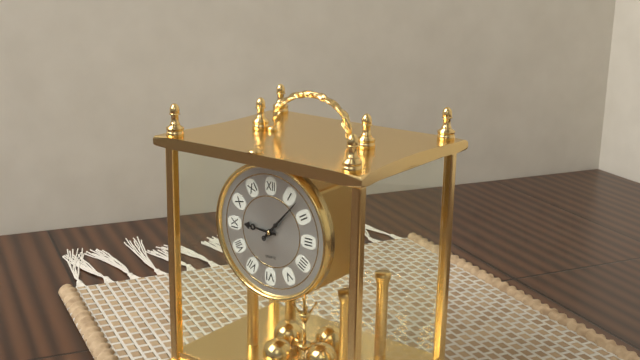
{"hour": 9, "minute": 7}
